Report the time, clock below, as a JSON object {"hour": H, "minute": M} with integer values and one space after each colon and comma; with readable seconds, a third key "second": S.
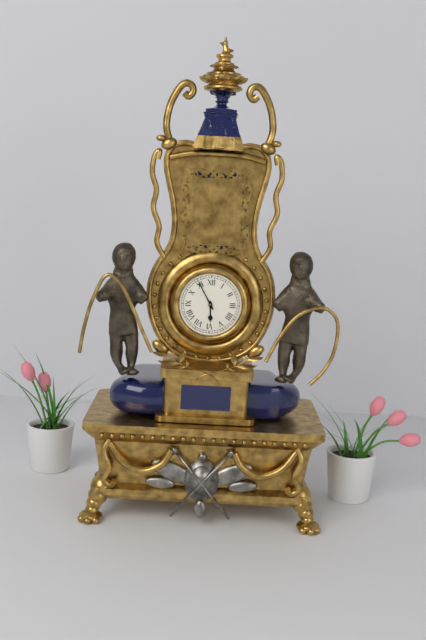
{"hour": 5, "minute": 55}
